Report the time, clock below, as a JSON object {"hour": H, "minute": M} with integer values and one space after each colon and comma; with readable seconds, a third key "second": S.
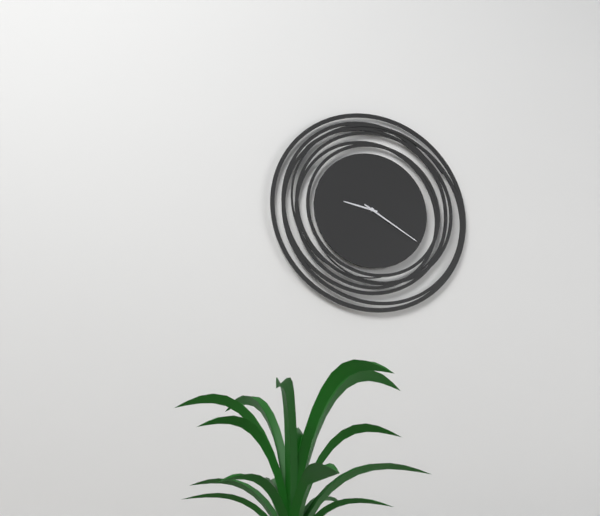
{"hour": 9, "minute": 20}
